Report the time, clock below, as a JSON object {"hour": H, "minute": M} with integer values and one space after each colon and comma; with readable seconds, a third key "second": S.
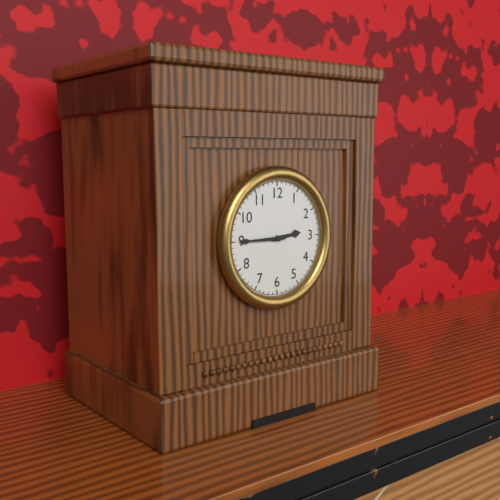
{"hour": 2, "minute": 45}
